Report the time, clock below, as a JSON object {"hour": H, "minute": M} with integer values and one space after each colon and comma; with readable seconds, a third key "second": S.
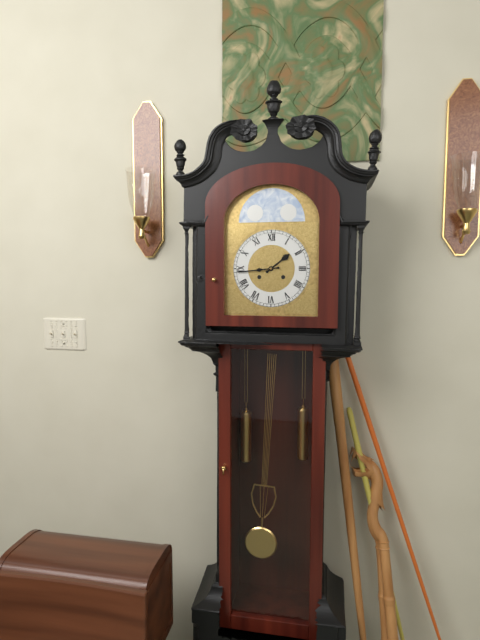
{"hour": 1, "minute": 44}
